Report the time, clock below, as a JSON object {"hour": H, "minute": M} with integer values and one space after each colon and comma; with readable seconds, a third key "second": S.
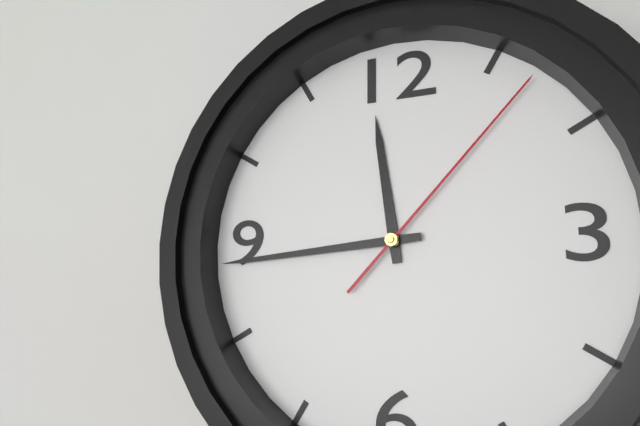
{"hour": 11, "minute": 44, "second": 7}
